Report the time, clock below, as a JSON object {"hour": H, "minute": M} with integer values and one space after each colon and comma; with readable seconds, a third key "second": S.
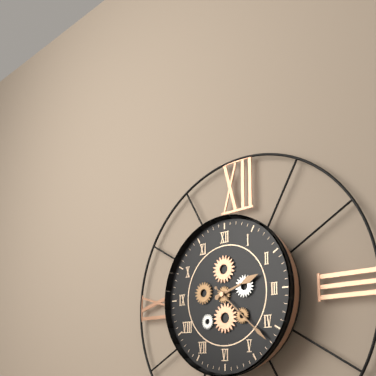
{"hour": 2, "minute": 22}
